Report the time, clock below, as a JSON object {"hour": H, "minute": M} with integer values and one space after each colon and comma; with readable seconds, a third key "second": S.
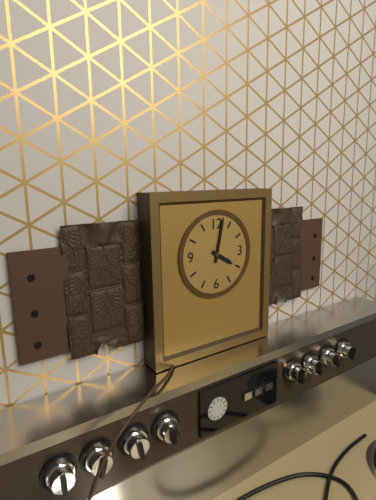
{"hour": 4, "minute": 2}
